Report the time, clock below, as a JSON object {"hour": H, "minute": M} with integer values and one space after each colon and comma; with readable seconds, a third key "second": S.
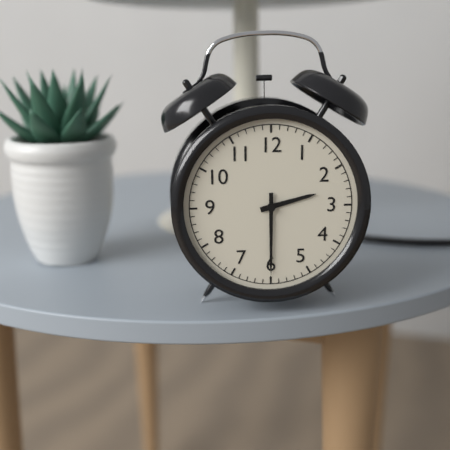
{"hour": 2, "minute": 30}
